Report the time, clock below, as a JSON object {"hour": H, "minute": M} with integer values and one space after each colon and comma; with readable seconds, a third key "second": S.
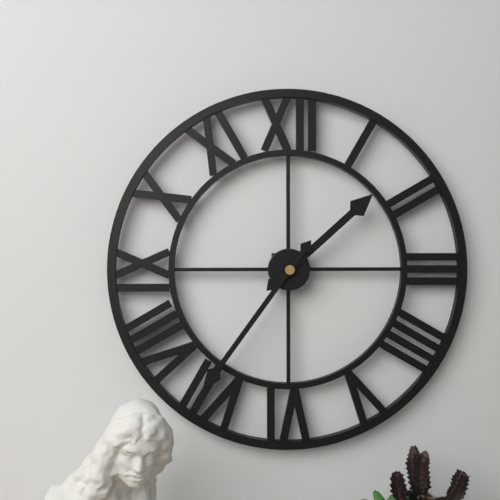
{"hour": 1, "minute": 36}
